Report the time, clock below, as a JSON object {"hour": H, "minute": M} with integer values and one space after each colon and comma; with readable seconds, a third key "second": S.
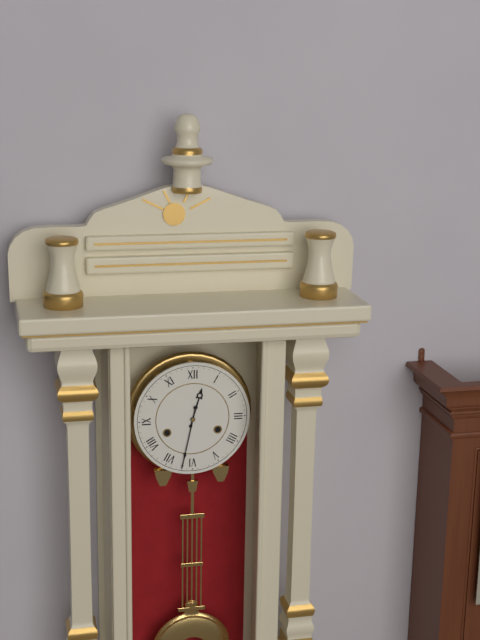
{"hour": 12, "minute": 32}
